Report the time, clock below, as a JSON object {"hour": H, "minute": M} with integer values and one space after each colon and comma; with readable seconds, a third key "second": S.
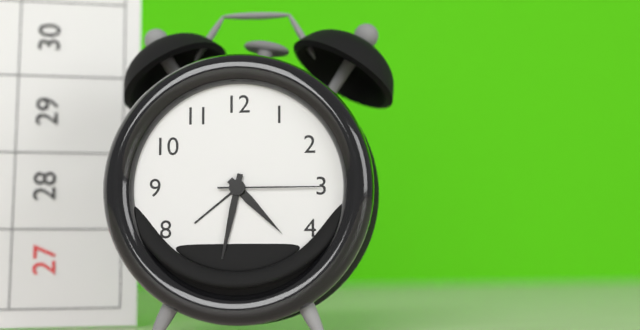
{"hour": 4, "minute": 32, "second": 15}
